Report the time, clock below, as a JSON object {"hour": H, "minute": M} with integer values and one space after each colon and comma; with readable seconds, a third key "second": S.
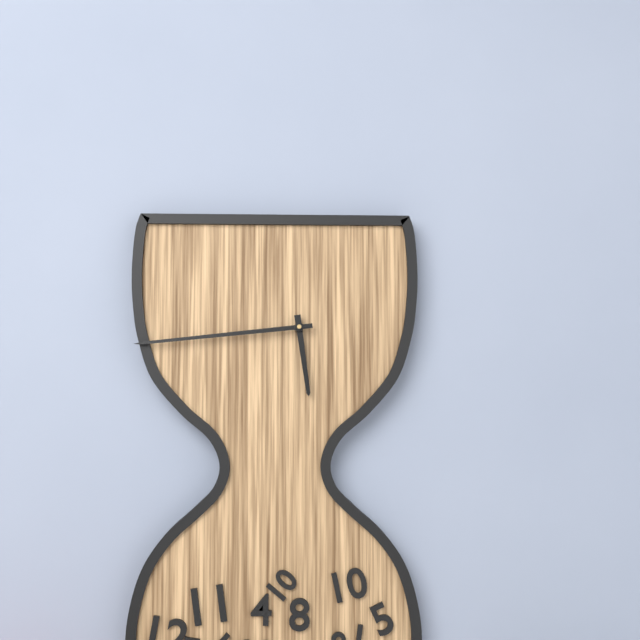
{"hour": 5, "minute": 44}
